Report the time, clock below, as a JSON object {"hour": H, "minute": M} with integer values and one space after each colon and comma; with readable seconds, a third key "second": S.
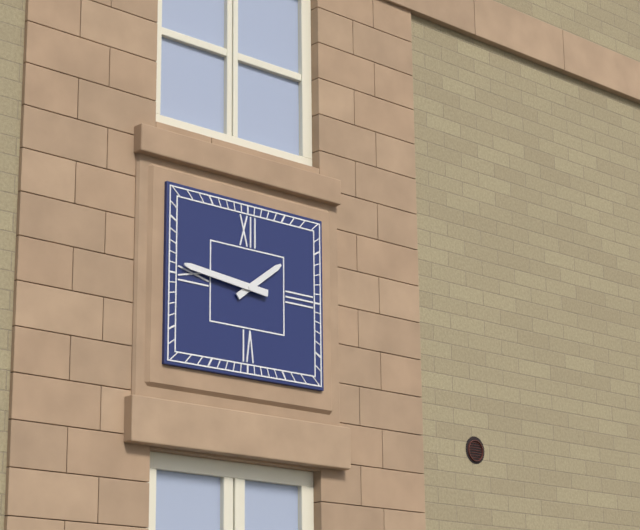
{"hour": 1, "minute": 46}
